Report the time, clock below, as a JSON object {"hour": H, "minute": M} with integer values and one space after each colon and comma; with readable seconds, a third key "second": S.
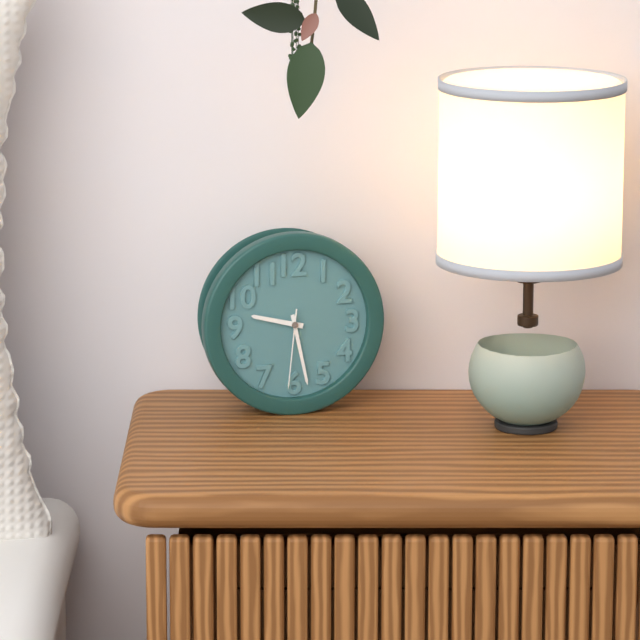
{"hour": 9, "minute": 28, "second": 31}
